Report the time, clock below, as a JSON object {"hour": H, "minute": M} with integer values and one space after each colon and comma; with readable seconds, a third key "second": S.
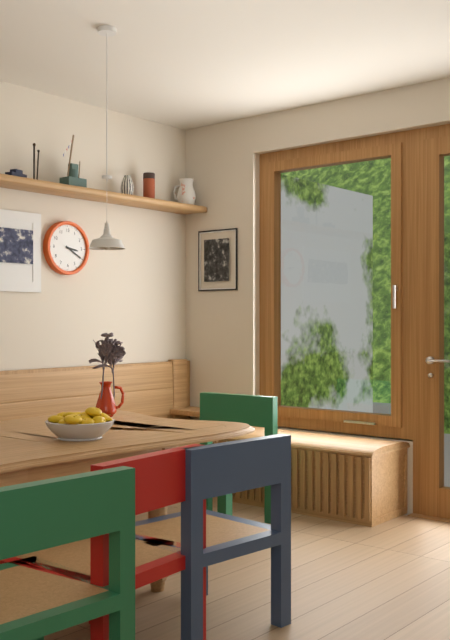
{"hour": 3, "minute": 20}
